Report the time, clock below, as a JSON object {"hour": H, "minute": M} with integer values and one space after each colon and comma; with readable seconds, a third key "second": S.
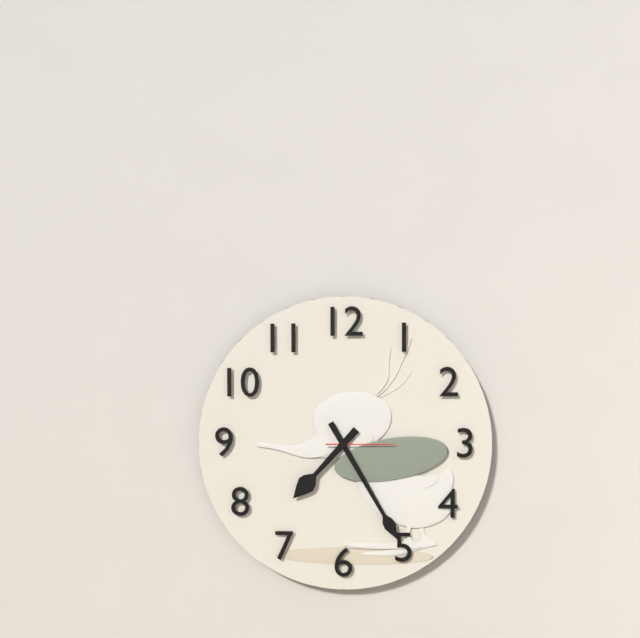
{"hour": 7, "minute": 25, "second": 15}
